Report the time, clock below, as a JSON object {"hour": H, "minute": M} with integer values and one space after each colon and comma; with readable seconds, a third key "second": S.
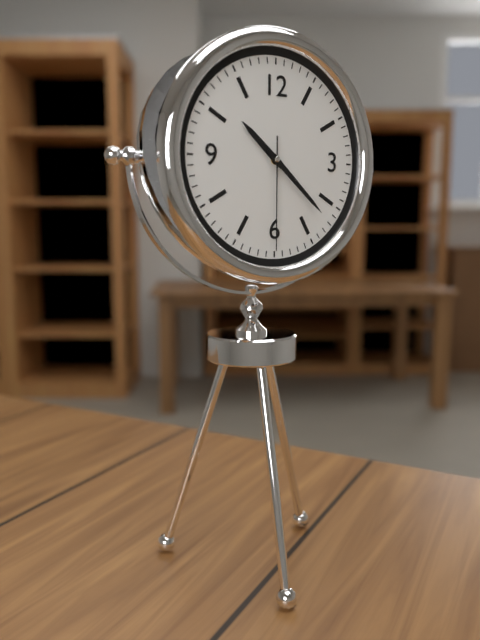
{"hour": 10, "minute": 22, "second": 30}
